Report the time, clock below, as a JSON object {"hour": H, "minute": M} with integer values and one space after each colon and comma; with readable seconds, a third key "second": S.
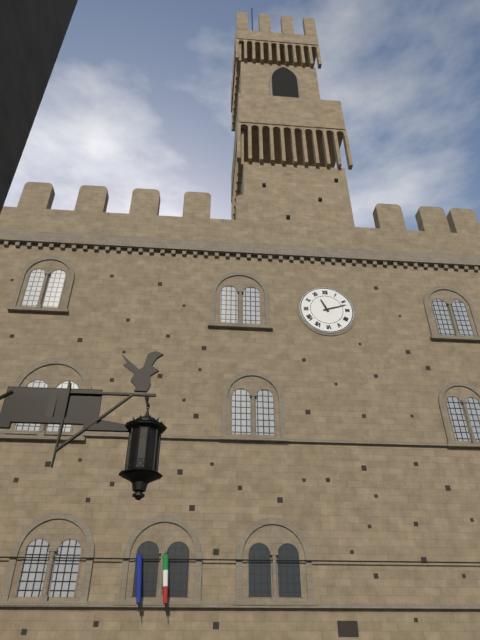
{"hour": 11, "minute": 12}
